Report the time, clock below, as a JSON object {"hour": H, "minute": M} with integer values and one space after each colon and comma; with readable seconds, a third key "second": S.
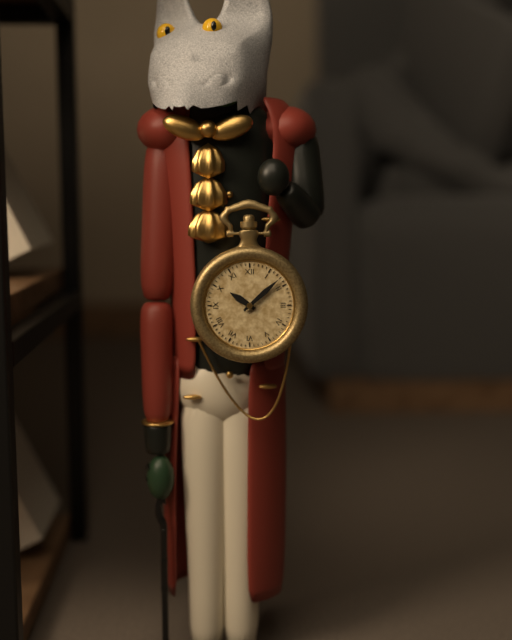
{"hour": 10, "minute": 8}
